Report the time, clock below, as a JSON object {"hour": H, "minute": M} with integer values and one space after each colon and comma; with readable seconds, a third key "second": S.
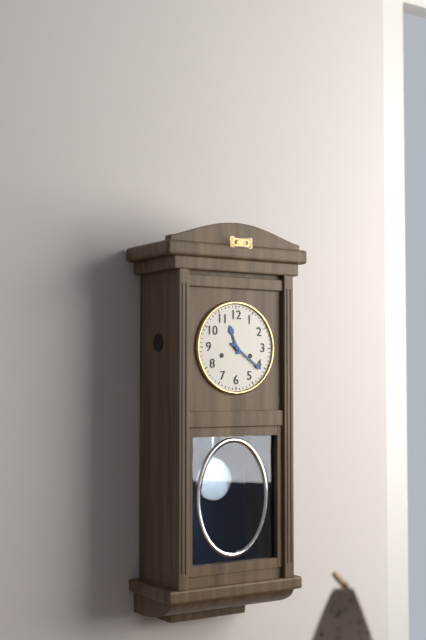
{"hour": 11, "minute": 21}
